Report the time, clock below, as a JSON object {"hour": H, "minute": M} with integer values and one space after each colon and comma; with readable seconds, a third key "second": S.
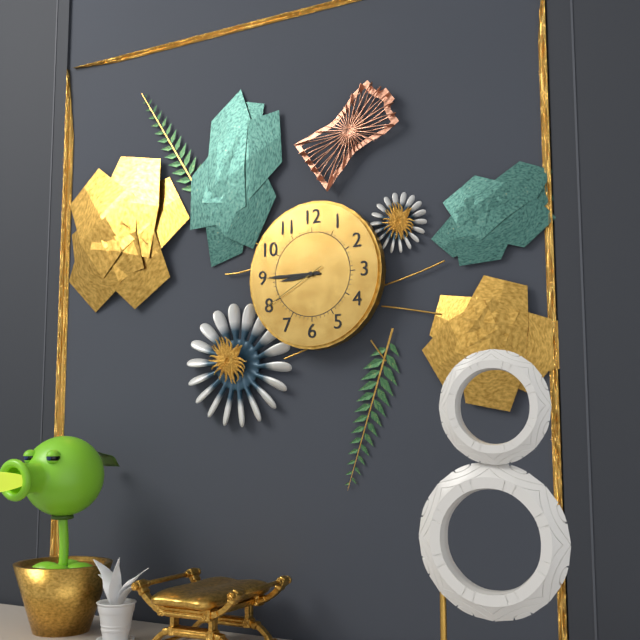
{"hour": 8, "minute": 45, "second": 40}
